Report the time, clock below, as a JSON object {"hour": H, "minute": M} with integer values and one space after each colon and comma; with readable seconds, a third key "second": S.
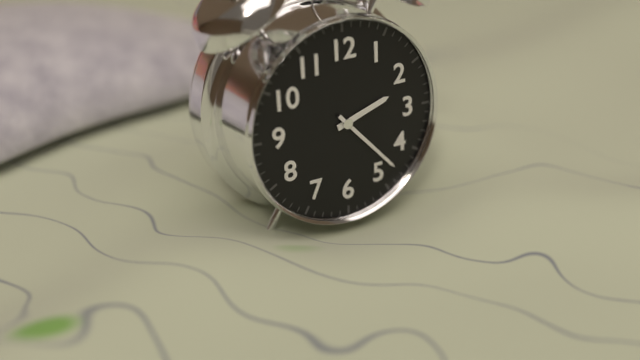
{"hour": 2, "minute": 23}
